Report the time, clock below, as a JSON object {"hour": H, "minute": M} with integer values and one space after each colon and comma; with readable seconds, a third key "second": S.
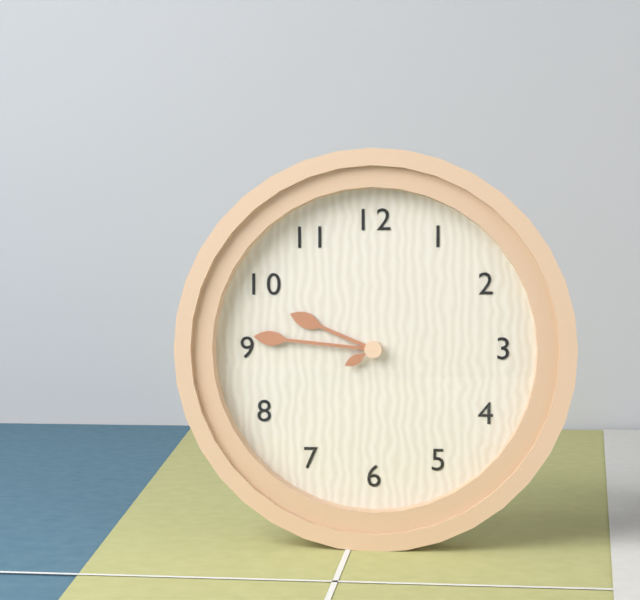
{"hour": 9, "minute": 46}
